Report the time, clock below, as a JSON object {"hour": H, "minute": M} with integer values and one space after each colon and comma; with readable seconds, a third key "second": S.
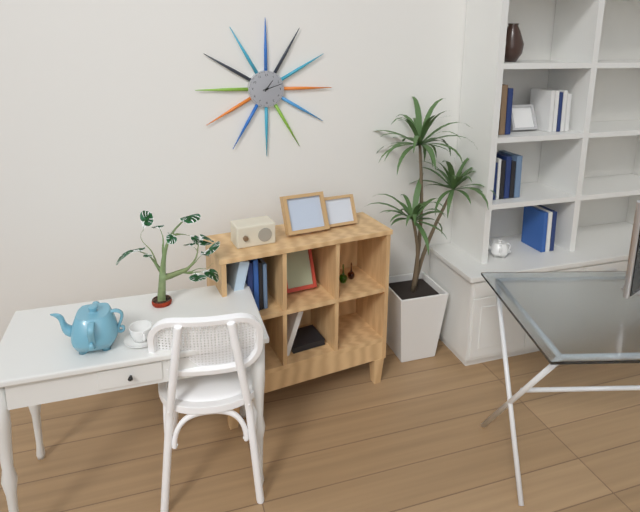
{"hour": 1, "minute": 12}
